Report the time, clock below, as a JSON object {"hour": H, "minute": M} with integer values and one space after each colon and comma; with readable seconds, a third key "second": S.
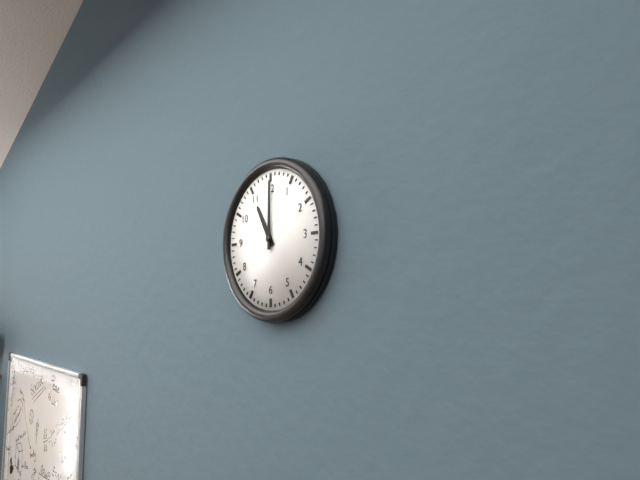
{"hour": 11, "minute": 0}
